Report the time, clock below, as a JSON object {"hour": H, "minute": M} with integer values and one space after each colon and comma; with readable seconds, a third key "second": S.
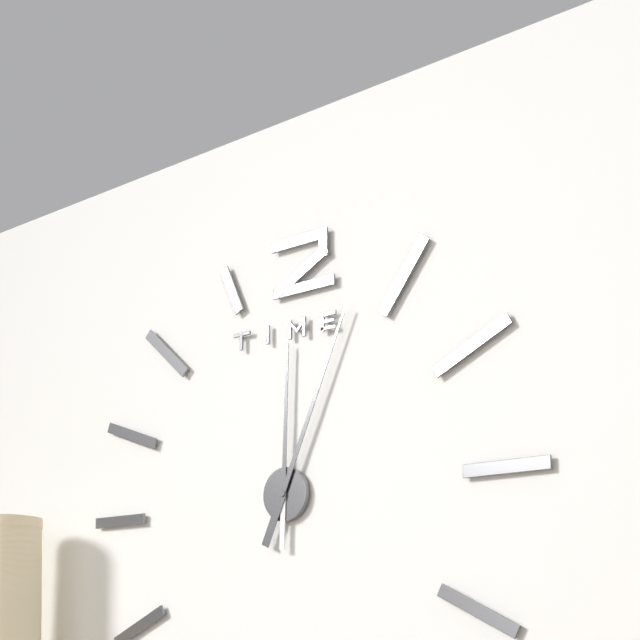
{"hour": 12, "minute": 4}
